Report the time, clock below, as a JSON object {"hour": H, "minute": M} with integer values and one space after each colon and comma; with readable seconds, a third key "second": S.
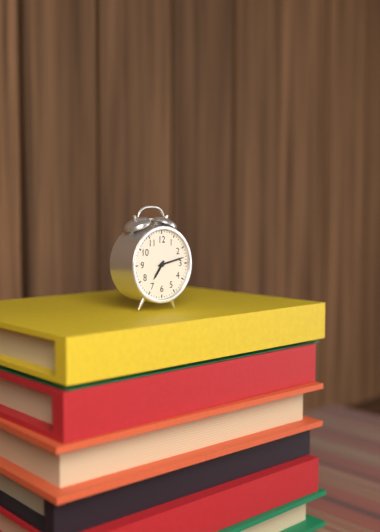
{"hour": 7, "minute": 13}
